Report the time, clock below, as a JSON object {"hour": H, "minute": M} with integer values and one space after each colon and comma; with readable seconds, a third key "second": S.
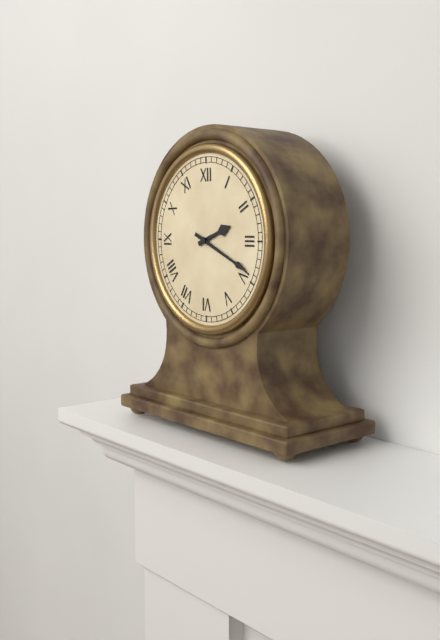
{"hour": 2, "minute": 19}
